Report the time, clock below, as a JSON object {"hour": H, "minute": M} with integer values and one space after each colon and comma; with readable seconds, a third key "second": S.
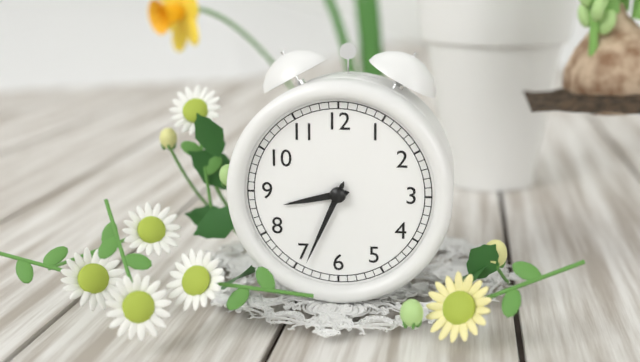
{"hour": 8, "minute": 34}
